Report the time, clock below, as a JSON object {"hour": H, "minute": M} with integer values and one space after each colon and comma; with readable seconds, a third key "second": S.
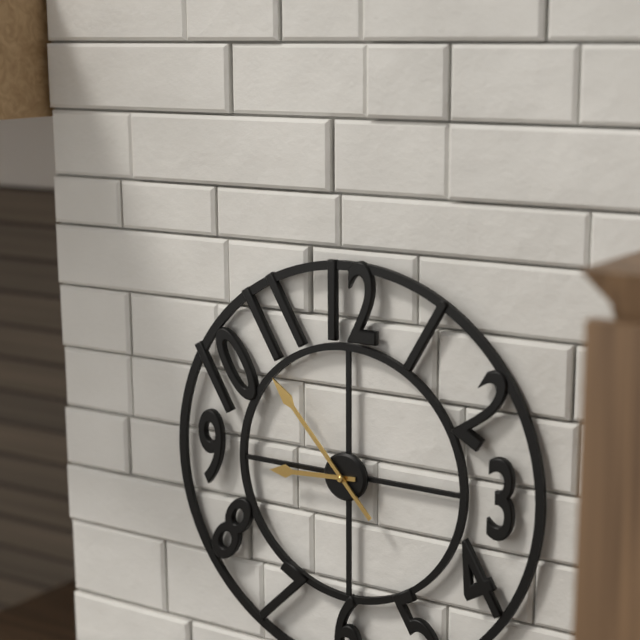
{"hour": 8, "minute": 53}
